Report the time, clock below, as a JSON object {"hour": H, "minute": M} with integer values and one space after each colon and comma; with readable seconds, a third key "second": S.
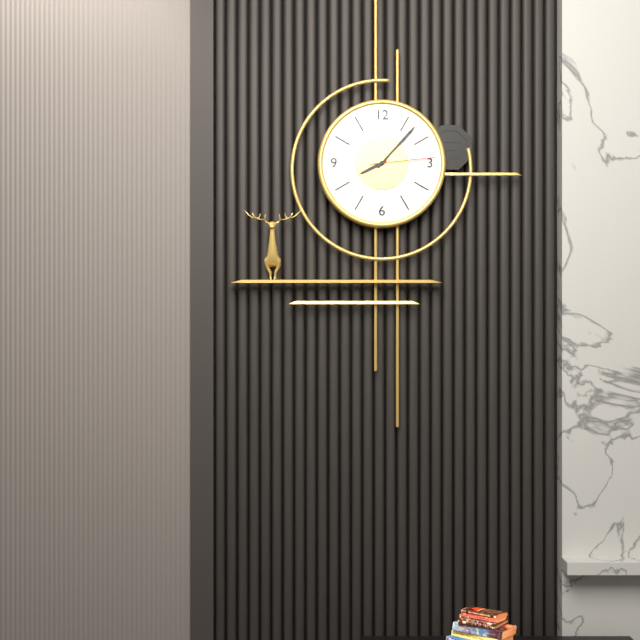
{"hour": 8, "minute": 7, "second": 14}
